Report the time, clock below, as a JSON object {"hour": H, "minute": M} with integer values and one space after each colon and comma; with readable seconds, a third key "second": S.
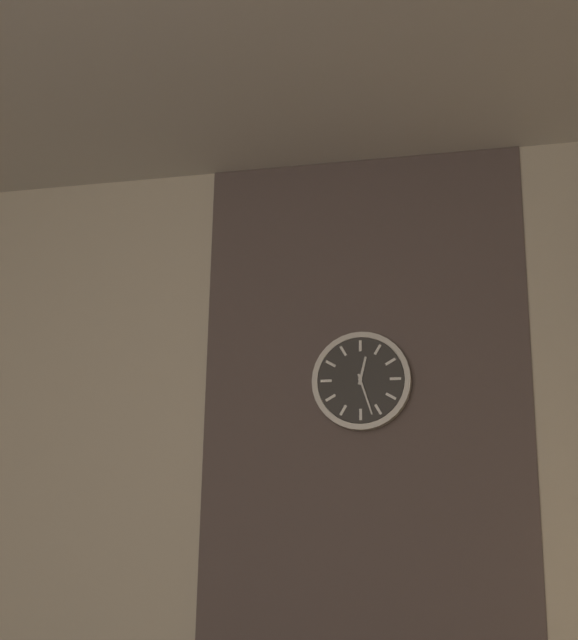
{"hour": 12, "minute": 27}
